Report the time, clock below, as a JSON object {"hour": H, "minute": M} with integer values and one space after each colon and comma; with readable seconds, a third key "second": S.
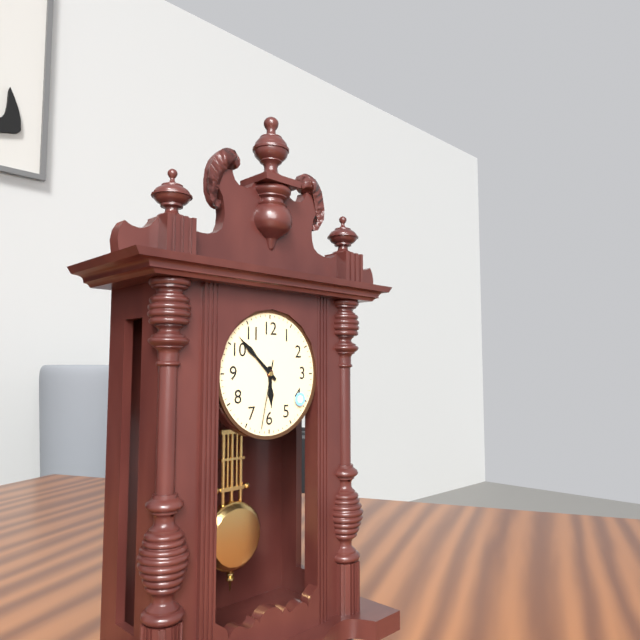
{"hour": 5, "minute": 52, "second": 32}
